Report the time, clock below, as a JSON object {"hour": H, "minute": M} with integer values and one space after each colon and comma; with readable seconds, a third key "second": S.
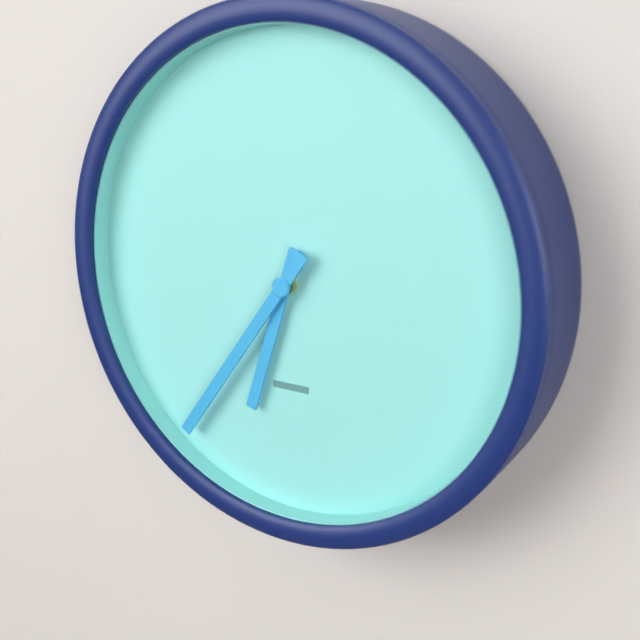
{"hour": 6, "minute": 36}
